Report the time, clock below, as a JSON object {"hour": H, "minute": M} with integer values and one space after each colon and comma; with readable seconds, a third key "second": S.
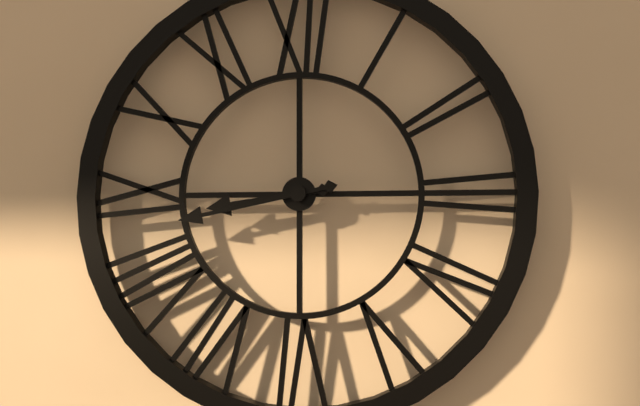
{"hour": 8, "minute": 43}
